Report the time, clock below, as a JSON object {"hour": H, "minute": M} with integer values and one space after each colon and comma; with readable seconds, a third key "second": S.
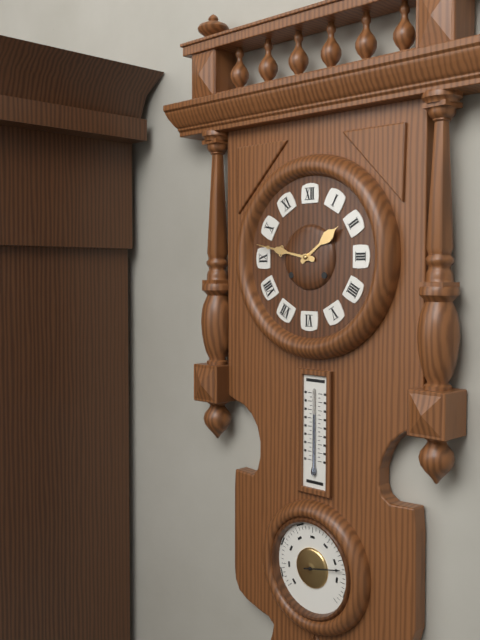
{"hour": 1, "minute": 47}
